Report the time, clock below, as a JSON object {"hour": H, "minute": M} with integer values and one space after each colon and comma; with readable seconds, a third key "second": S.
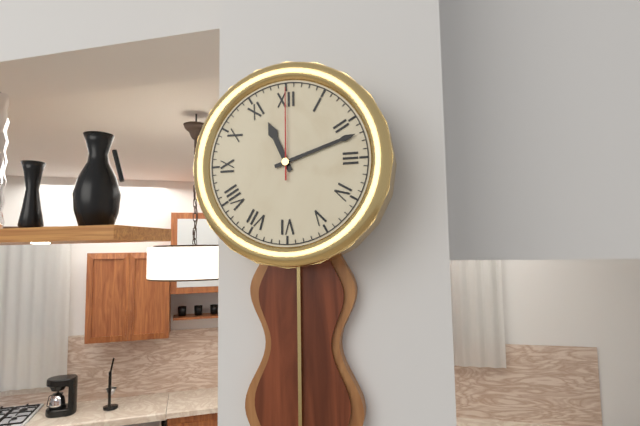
{"hour": 11, "minute": 12, "second": 0}
